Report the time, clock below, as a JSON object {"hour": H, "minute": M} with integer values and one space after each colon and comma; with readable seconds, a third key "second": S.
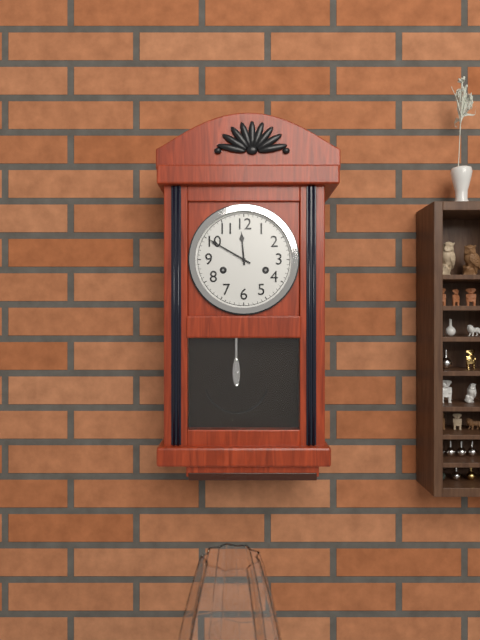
{"hour": 11, "minute": 50}
